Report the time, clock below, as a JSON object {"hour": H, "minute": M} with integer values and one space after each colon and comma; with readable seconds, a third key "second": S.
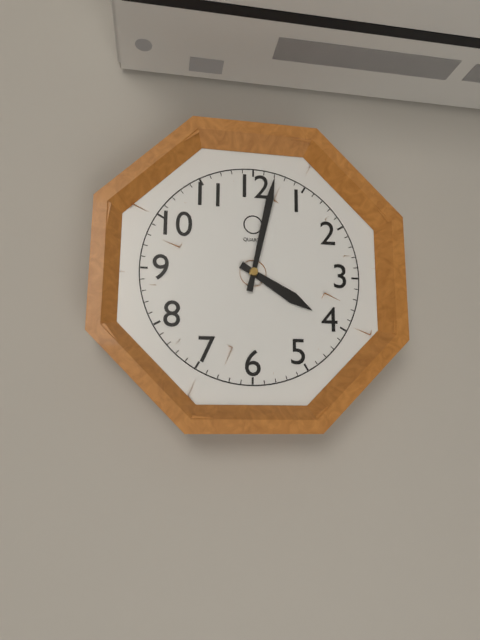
{"hour": 4, "minute": 2}
